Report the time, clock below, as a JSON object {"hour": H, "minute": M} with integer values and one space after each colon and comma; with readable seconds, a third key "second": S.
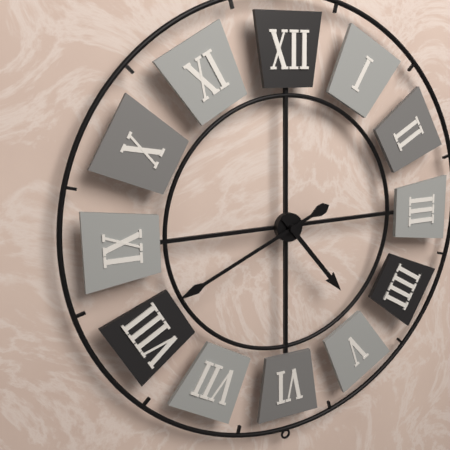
{"hour": 4, "minute": 41}
